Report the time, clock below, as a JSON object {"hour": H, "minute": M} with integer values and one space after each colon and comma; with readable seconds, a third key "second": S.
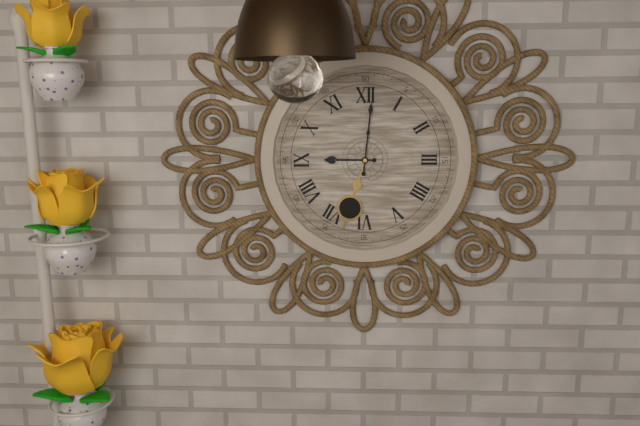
{"hour": 9, "minute": 1}
